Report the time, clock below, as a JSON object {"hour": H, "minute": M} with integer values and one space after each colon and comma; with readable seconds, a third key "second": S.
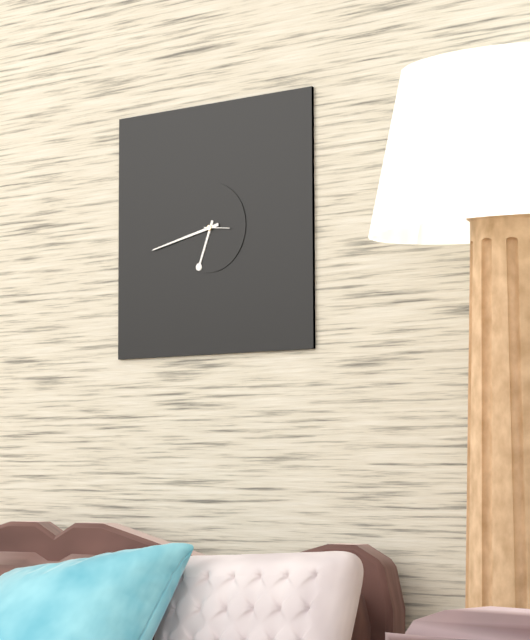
{"hour": 6, "minute": 43}
